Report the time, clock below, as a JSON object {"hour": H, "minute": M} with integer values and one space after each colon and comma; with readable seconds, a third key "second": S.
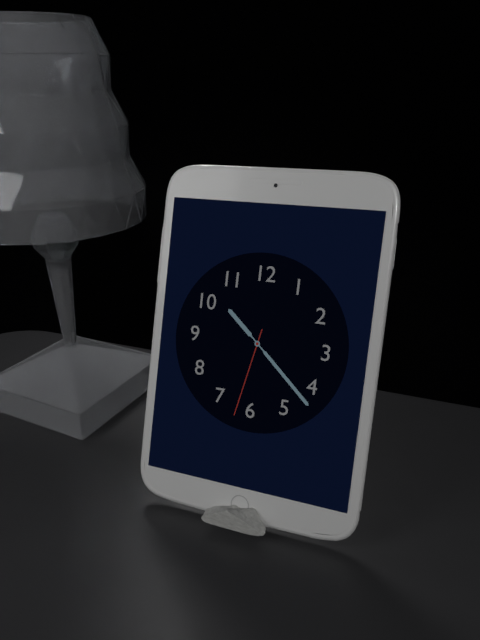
{"hour": 10, "minute": 22, "second": 32}
